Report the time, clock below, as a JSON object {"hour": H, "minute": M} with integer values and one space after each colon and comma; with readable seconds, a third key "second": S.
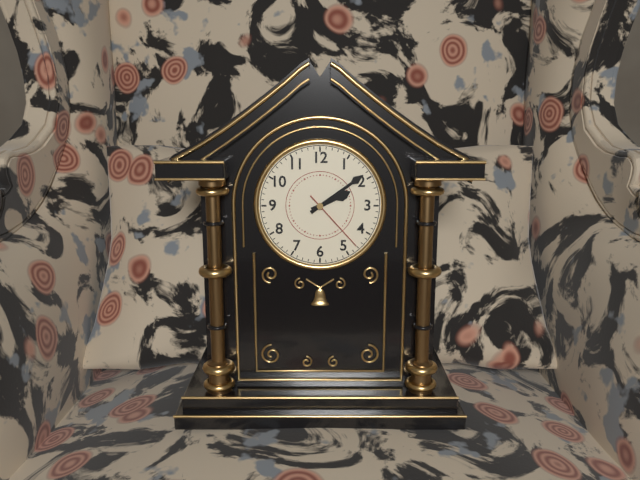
{"hour": 2, "minute": 9, "second": 23}
